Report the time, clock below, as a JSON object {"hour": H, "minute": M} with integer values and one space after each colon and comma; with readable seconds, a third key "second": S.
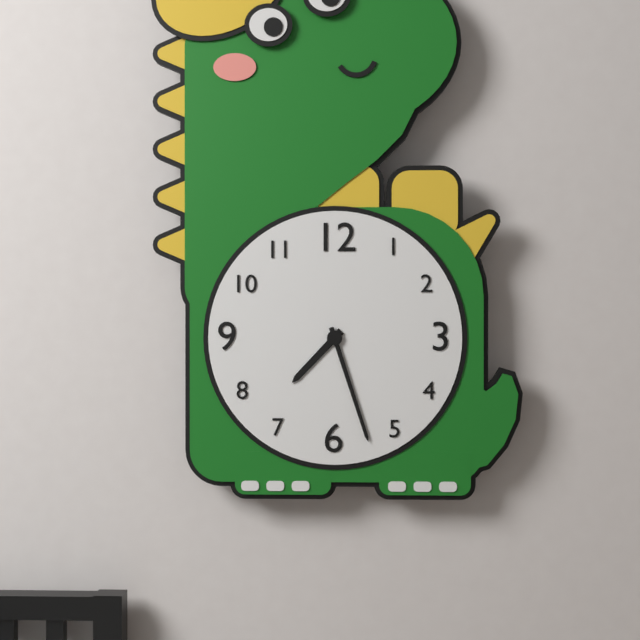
{"hour": 7, "minute": 27}
